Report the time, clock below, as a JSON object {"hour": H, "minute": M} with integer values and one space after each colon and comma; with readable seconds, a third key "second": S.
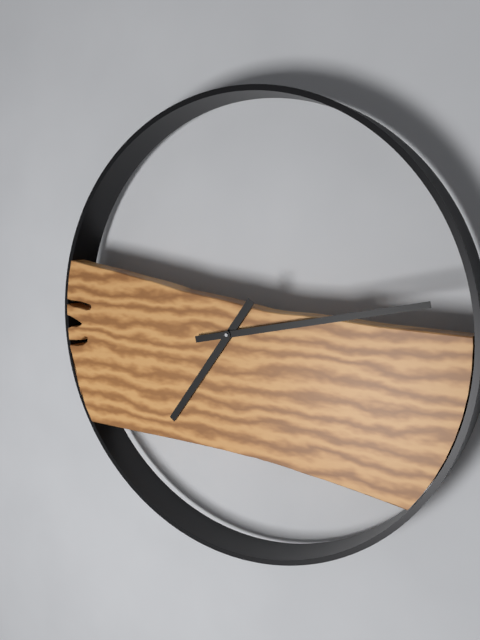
{"hour": 7, "minute": 13}
